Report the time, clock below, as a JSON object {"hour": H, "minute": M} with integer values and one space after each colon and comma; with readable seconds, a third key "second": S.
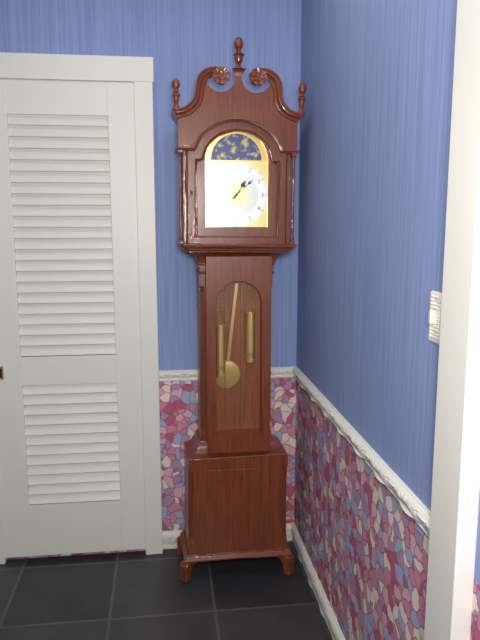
{"hour": 1, "minute": 8}
